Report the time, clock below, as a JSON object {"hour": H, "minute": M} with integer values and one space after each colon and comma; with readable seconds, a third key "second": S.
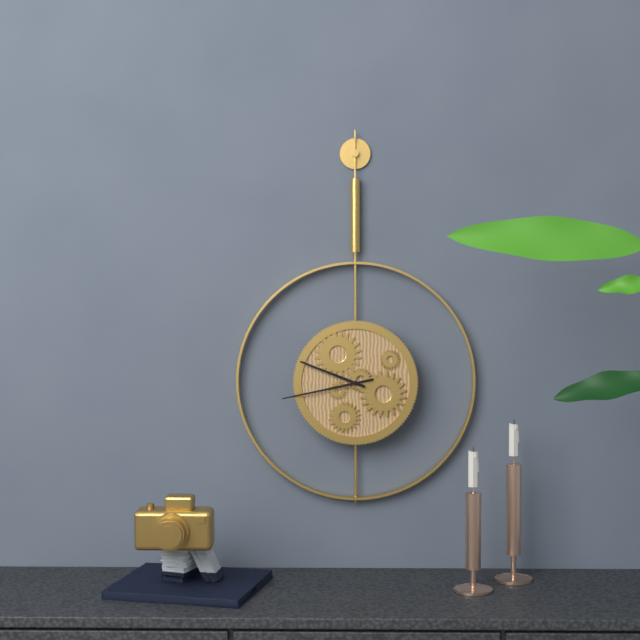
{"hour": 9, "minute": 43}
